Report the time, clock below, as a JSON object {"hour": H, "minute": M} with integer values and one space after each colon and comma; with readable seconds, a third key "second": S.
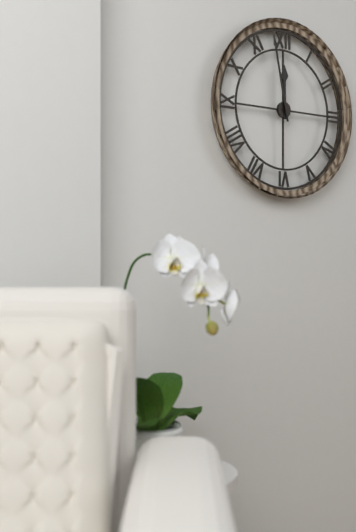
{"hour": 11, "minute": 58}
